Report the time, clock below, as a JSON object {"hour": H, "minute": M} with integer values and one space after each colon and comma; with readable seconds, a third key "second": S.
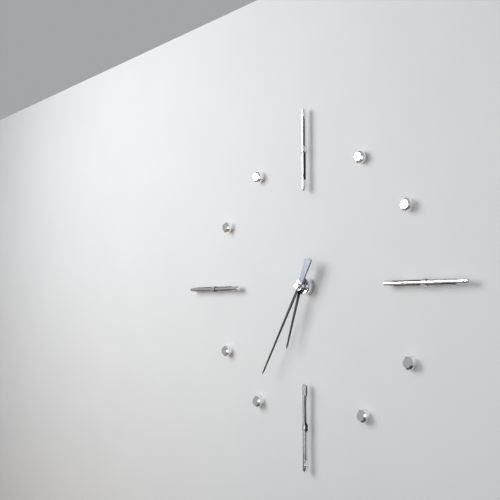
{"hour": 6, "minute": 35}
